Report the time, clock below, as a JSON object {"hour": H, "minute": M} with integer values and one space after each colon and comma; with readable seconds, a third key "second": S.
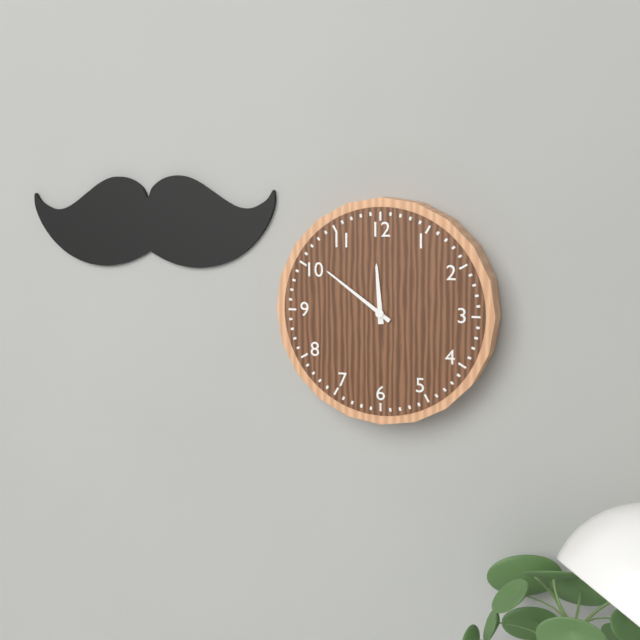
{"hour": 11, "minute": 51}
